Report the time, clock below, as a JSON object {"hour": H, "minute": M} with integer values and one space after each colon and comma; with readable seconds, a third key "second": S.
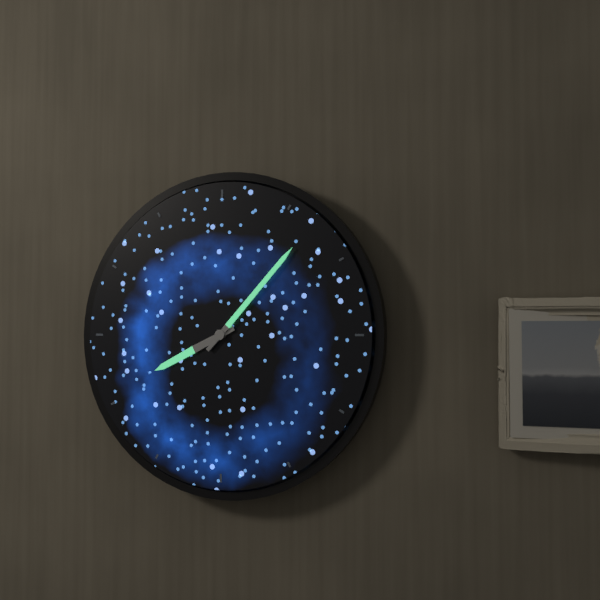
{"hour": 8, "minute": 7}
